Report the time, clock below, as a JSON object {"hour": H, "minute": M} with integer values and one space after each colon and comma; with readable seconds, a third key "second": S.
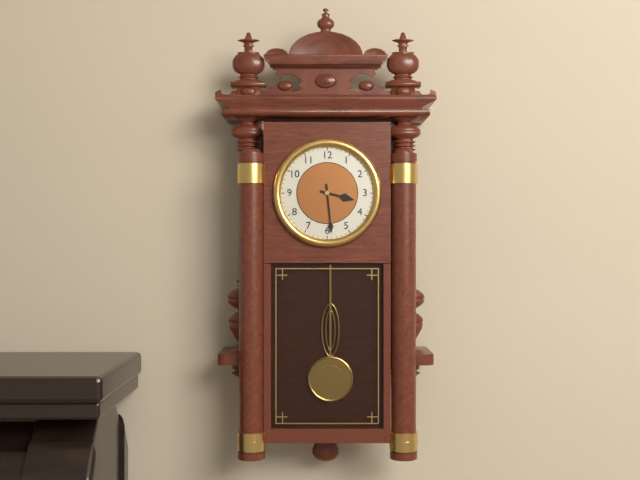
{"hour": 3, "minute": 29}
